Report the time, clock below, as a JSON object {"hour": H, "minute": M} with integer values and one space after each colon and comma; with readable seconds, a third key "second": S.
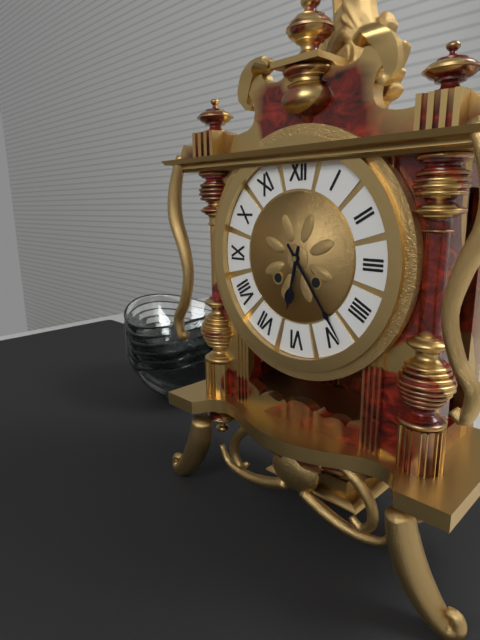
{"hour": 6, "minute": 24}
